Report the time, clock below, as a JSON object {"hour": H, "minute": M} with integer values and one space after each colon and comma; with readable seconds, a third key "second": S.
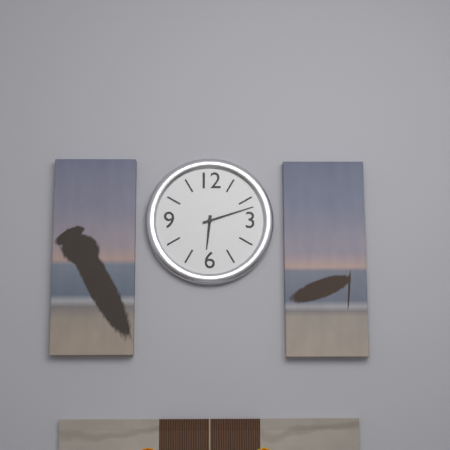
{"hour": 6, "minute": 12}
